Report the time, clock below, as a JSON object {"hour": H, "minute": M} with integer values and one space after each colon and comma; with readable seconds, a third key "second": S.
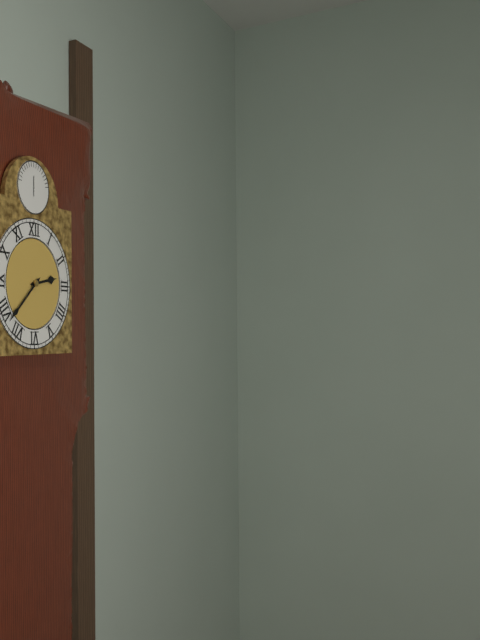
{"hour": 2, "minute": 38}
